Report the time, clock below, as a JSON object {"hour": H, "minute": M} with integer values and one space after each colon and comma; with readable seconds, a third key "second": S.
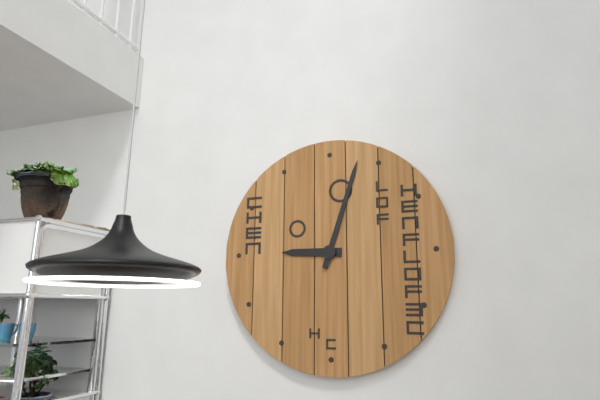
{"hour": 9, "minute": 3}
